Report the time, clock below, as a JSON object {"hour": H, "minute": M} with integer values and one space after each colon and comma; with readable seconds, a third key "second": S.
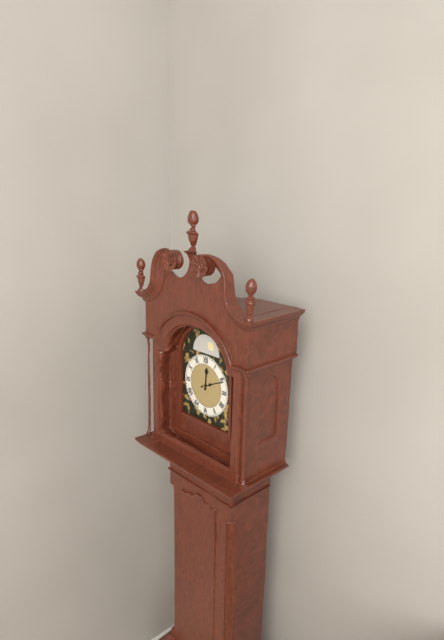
{"hour": 12, "minute": 11}
